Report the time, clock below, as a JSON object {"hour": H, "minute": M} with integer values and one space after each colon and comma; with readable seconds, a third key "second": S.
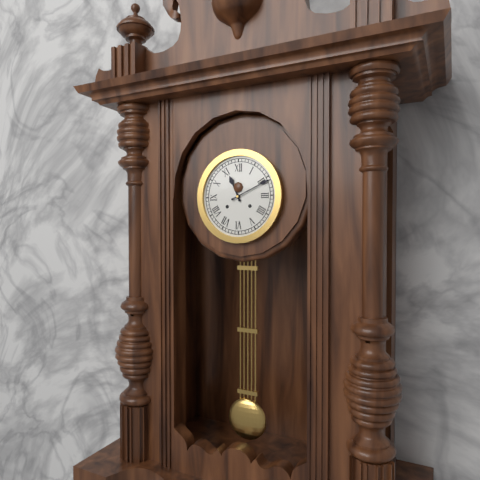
{"hour": 11, "minute": 11}
